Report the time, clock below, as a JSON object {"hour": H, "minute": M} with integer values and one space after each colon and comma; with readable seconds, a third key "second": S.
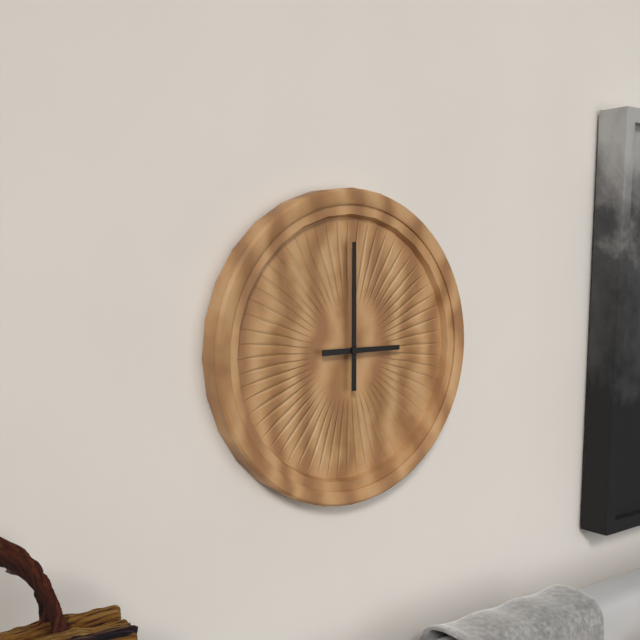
{"hour": 3, "minute": 0}
